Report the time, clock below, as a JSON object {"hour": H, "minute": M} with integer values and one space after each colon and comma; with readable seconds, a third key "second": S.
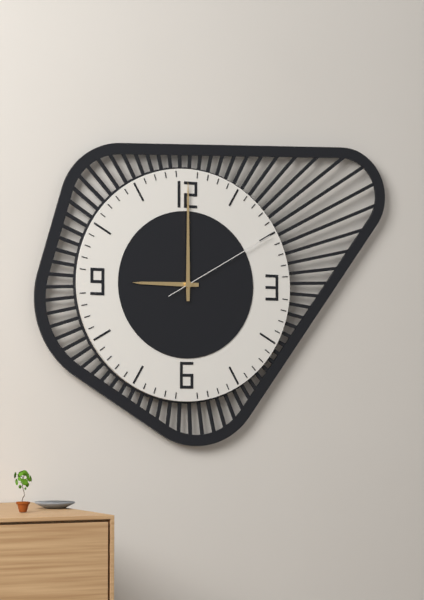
{"hour": 9, "minute": 0, "second": 10}
